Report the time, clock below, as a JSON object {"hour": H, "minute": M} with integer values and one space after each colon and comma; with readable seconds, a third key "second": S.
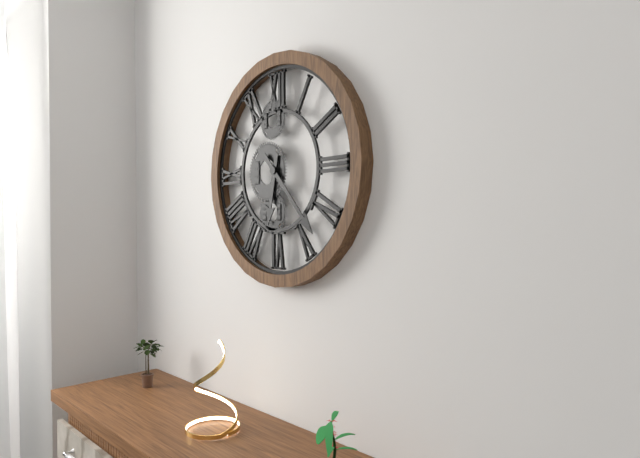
{"hour": 6, "minute": 23}
